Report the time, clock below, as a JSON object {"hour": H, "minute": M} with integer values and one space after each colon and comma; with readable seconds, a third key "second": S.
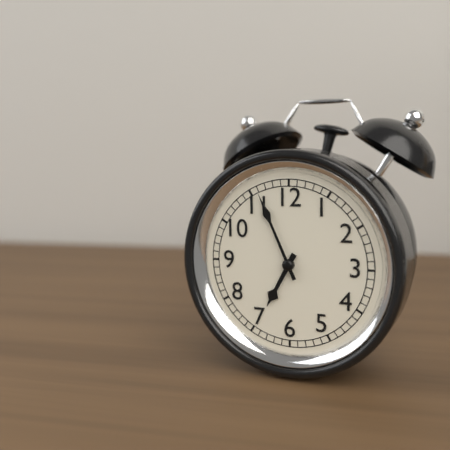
{"hour": 6, "minute": 56}
